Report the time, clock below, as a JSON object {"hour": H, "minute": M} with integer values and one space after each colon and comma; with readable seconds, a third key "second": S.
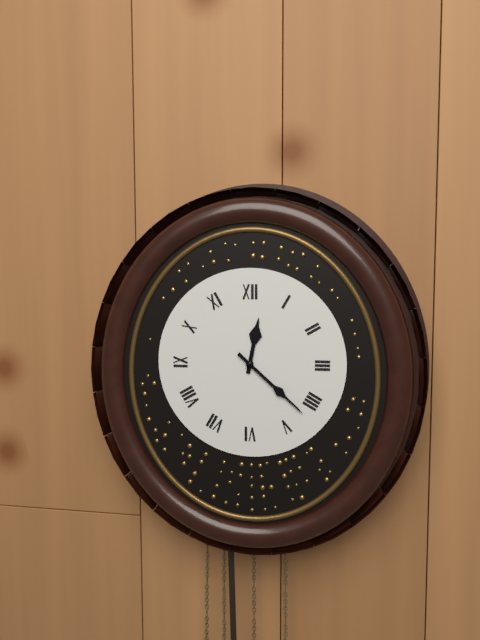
{"hour": 12, "minute": 22}
